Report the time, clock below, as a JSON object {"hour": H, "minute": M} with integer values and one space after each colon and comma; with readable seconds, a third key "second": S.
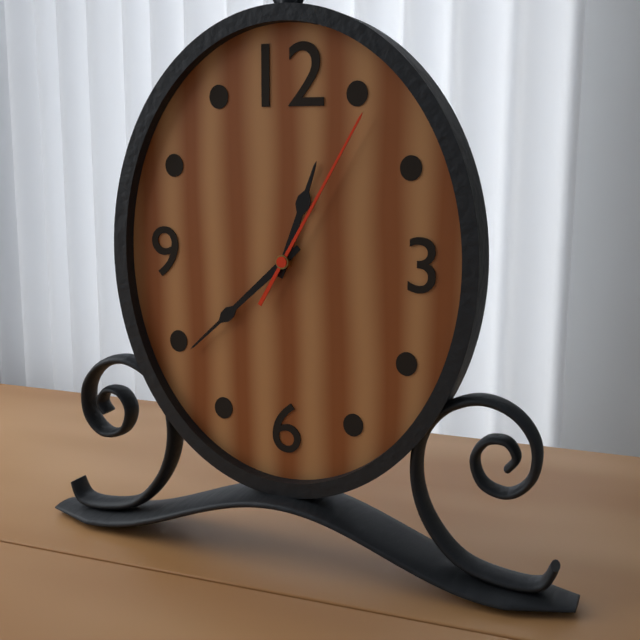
{"hour": 12, "minute": 38, "second": 5}
